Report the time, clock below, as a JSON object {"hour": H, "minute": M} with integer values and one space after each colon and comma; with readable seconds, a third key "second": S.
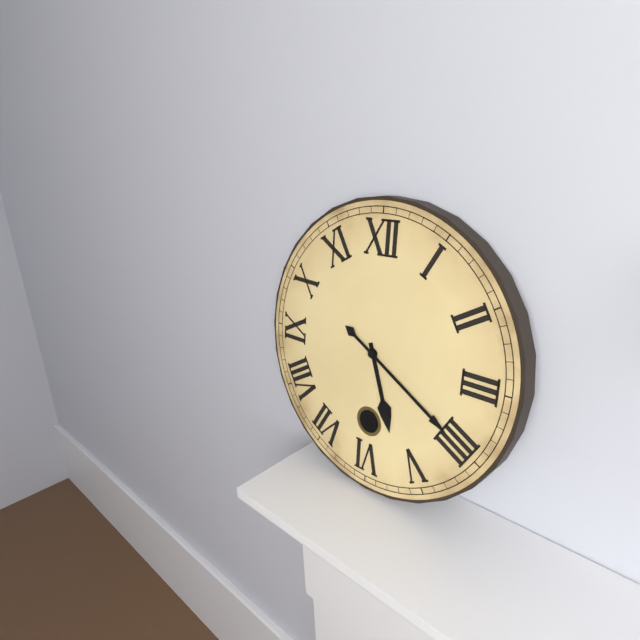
{"hour": 5, "minute": 20}
